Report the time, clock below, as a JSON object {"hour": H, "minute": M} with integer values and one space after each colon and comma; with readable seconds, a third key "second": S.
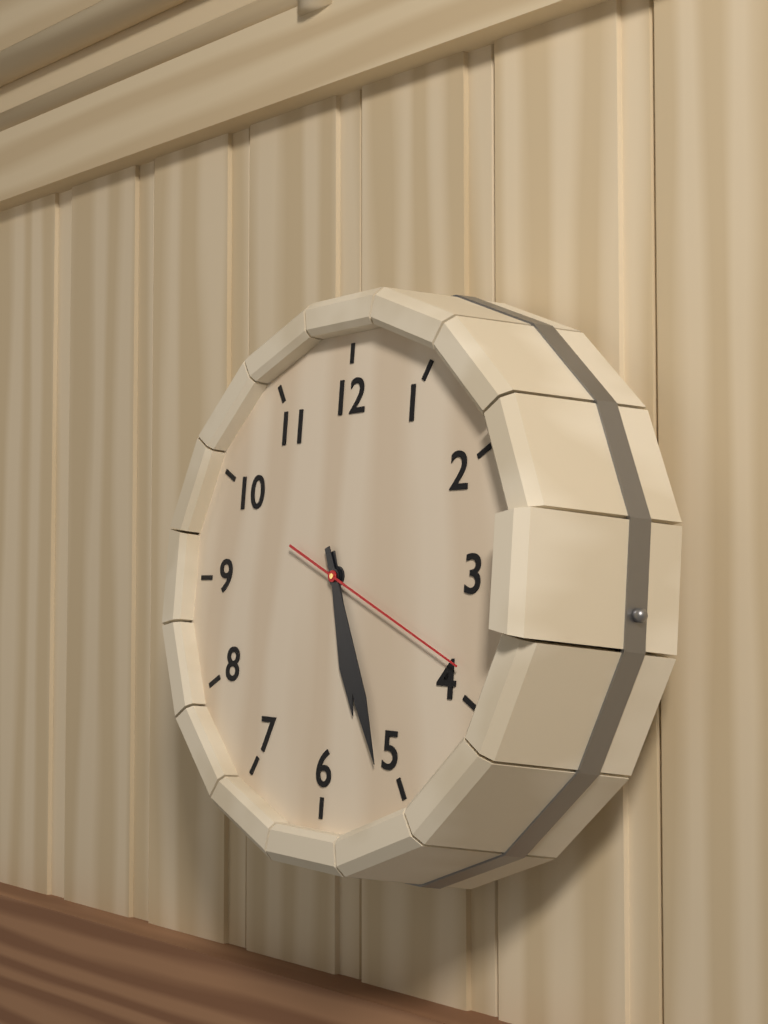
{"hour": 5, "minute": 26, "second": 19}
